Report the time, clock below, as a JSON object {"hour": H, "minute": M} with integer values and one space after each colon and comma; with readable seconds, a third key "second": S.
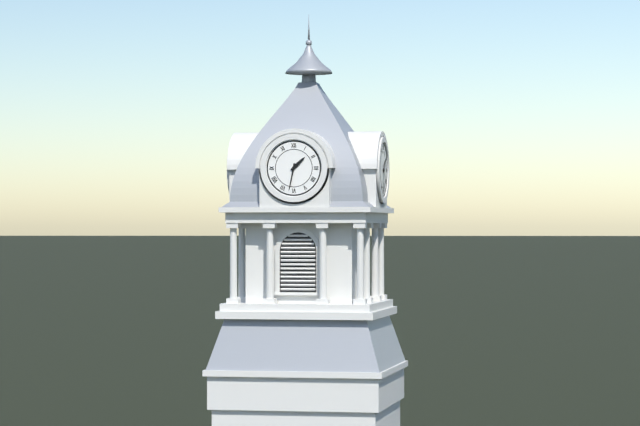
{"hour": 1, "minute": 32}
